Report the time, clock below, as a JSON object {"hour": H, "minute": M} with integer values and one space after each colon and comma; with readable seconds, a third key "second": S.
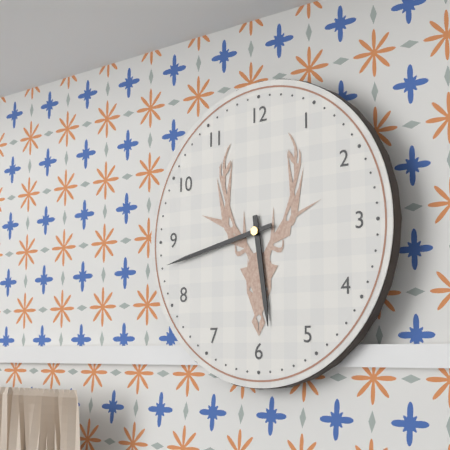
{"hour": 5, "minute": 43}
